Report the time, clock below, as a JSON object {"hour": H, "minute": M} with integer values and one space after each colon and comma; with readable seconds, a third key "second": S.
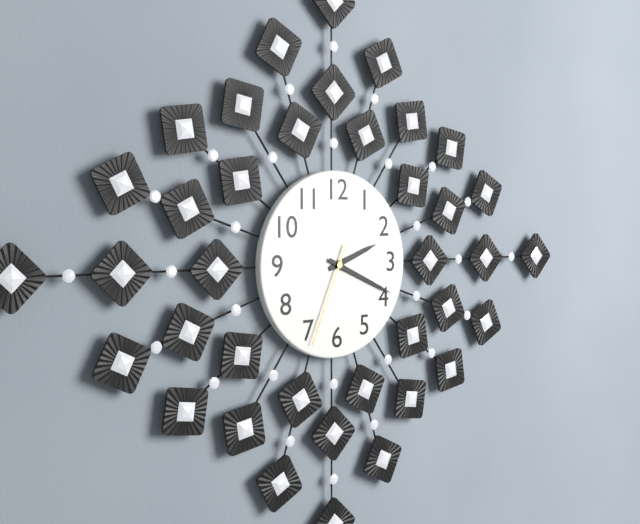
{"hour": 2, "minute": 19, "second": 34}
